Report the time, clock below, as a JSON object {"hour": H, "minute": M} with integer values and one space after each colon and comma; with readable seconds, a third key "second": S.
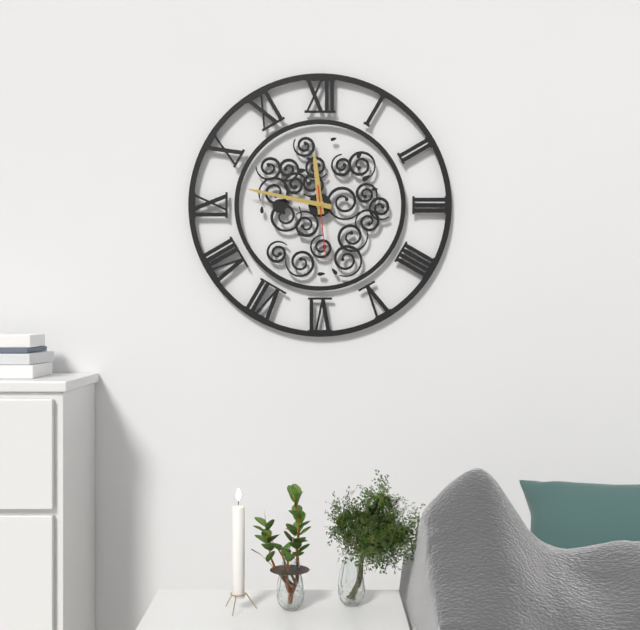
{"hour": 11, "minute": 47, "second": 29}
